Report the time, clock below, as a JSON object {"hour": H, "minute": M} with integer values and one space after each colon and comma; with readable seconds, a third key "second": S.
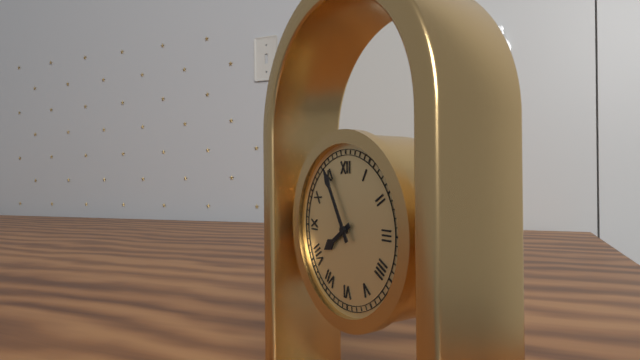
{"hour": 7, "minute": 55}
